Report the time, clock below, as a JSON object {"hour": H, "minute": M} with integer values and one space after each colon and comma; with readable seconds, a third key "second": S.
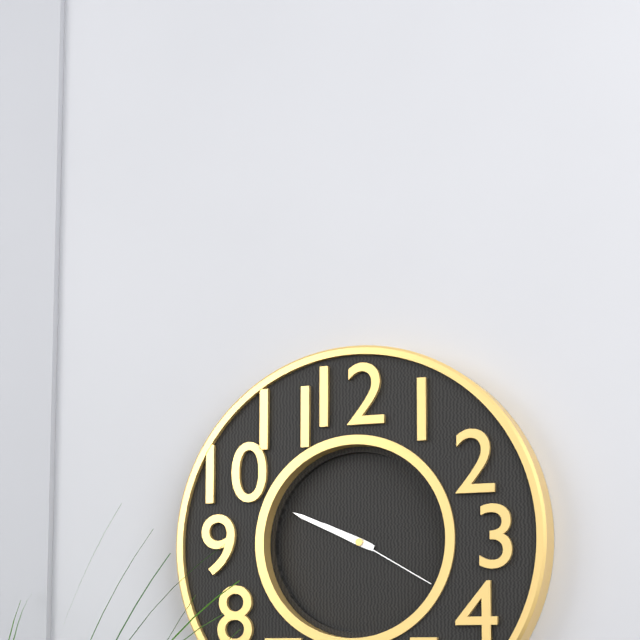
{"hour": 9, "minute": 49, "second": 20}
